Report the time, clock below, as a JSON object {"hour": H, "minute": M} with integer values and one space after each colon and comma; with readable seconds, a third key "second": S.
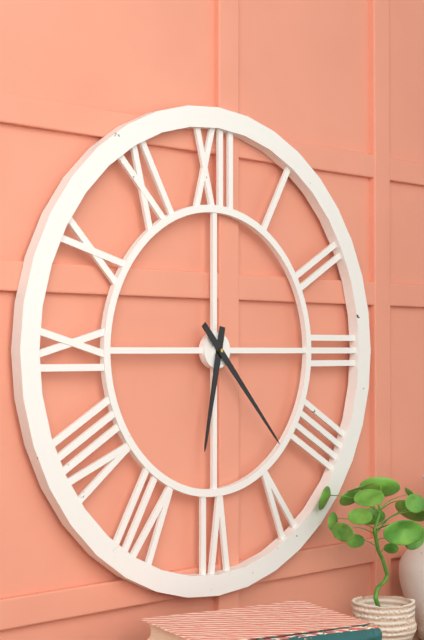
{"hour": 6, "minute": 23}
